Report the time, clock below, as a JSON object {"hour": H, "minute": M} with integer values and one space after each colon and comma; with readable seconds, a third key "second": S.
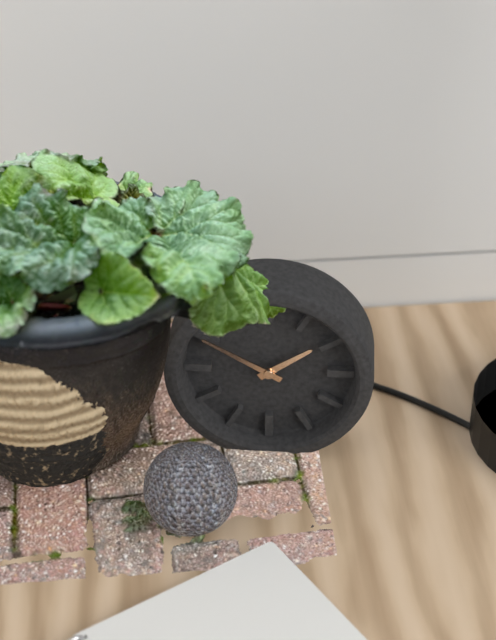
{"hour": 1, "minute": 50}
